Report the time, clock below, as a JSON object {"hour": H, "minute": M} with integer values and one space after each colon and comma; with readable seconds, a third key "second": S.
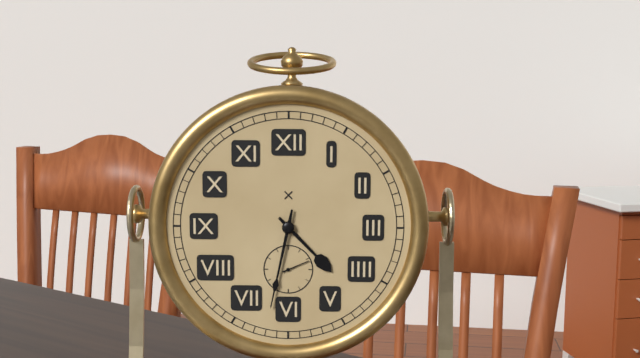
{"hour": 4, "minute": 32}
